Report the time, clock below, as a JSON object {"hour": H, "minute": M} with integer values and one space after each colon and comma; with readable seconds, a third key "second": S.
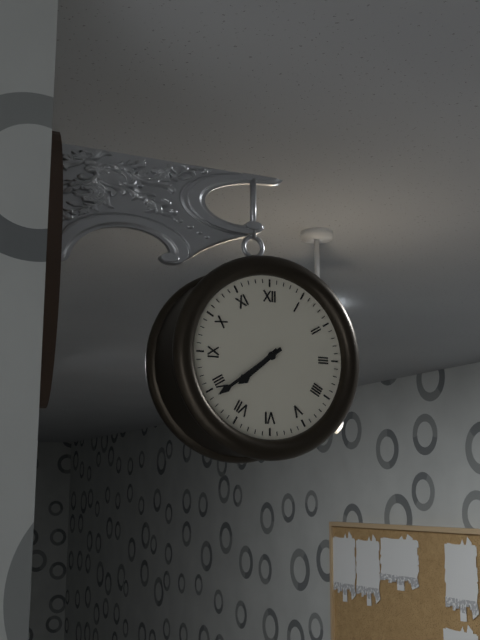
{"hour": 7, "minute": 39}
